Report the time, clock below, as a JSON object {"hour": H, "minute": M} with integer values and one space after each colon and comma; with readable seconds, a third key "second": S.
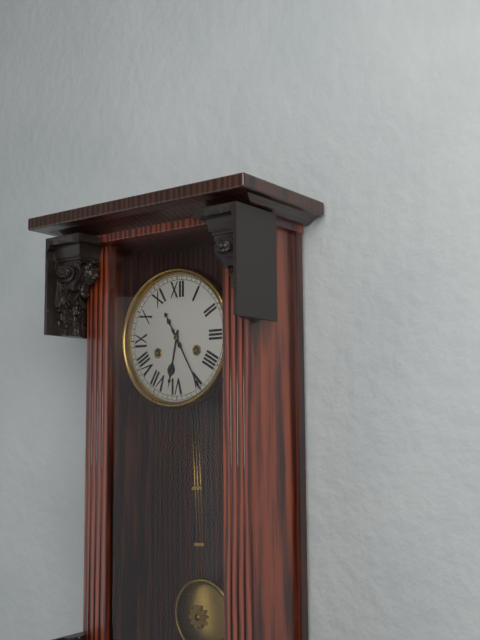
{"hour": 6, "minute": 25}
